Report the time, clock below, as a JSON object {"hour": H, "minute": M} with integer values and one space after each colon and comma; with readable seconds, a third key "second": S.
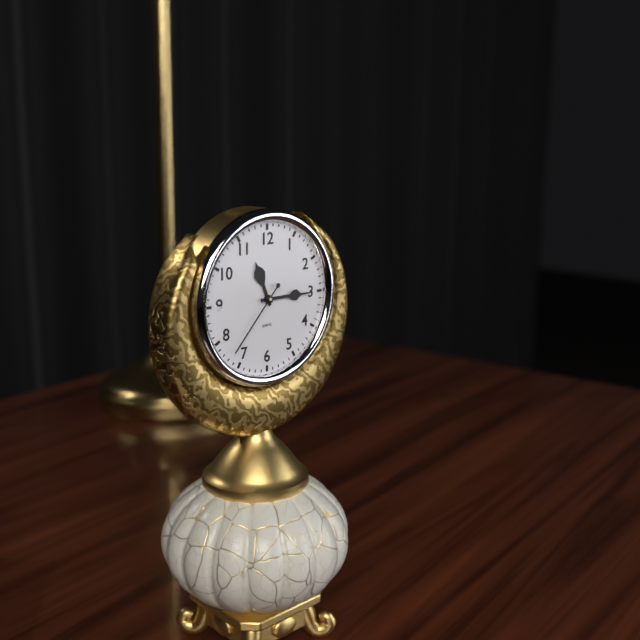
{"hour": 11, "minute": 15, "second": 37}
